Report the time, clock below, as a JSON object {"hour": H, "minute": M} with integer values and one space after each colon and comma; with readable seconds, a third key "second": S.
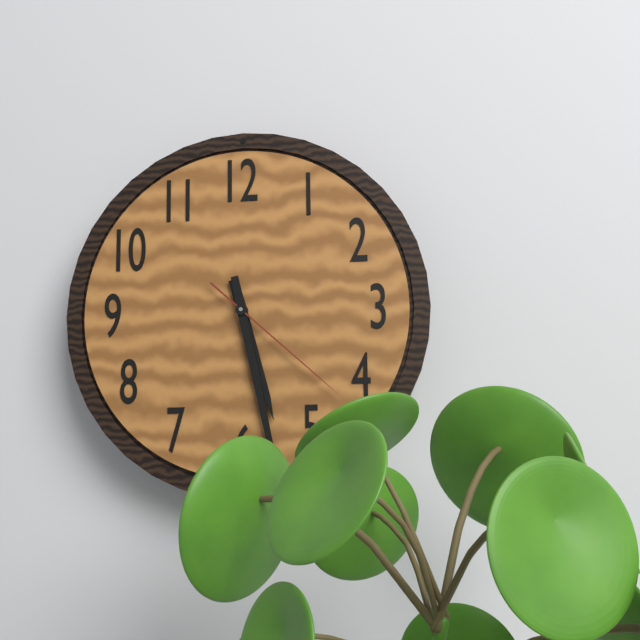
{"hour": 5, "minute": 28, "second": 22}
